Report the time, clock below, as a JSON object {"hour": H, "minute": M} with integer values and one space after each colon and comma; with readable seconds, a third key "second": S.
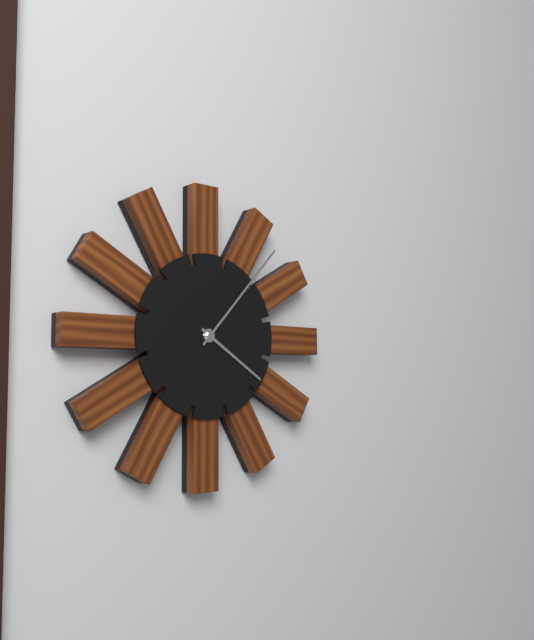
{"hour": 4, "minute": 7}
